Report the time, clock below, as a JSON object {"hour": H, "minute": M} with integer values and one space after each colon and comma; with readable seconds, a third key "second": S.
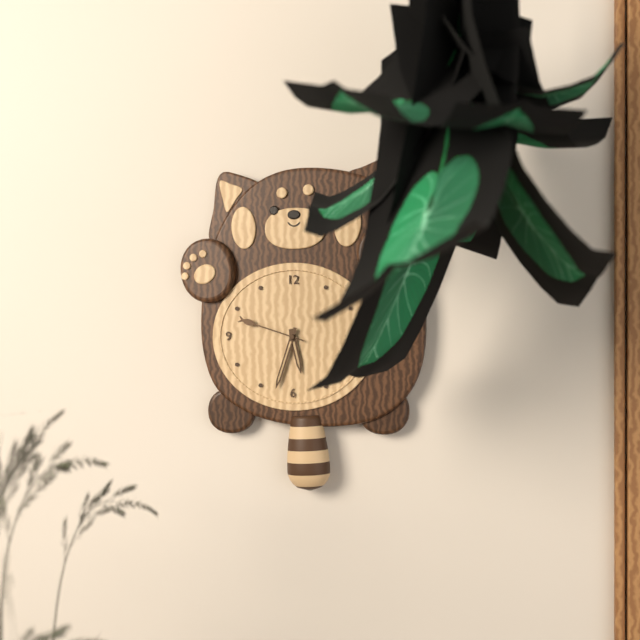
{"hour": 5, "minute": 33, "second": 48}
